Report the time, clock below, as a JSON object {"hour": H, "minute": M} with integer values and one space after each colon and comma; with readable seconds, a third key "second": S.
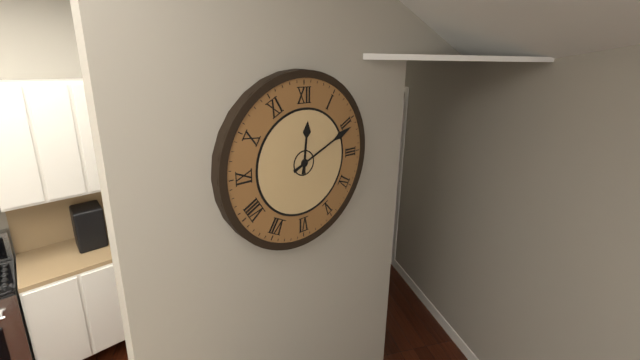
{"hour": 12, "minute": 11}
